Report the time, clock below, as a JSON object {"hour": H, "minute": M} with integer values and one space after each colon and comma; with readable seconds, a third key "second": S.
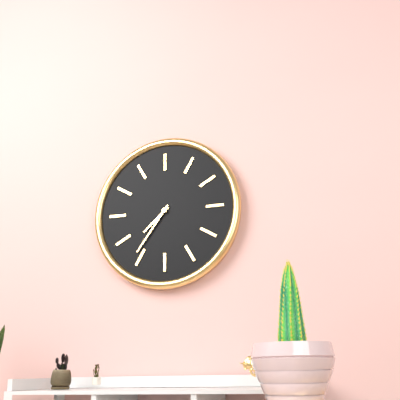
{"hour": 7, "minute": 36}
